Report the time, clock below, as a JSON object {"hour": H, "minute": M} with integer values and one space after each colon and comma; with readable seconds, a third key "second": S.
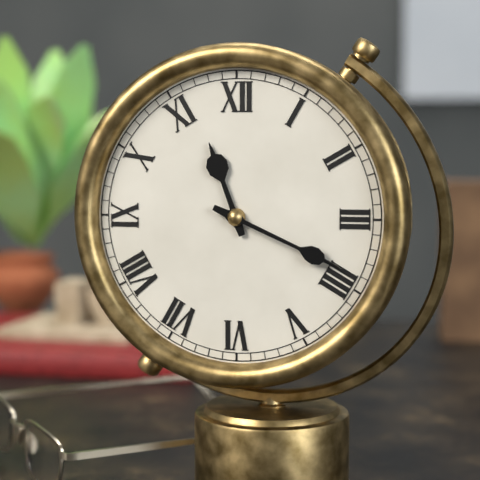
{"hour": 11, "minute": 19}
